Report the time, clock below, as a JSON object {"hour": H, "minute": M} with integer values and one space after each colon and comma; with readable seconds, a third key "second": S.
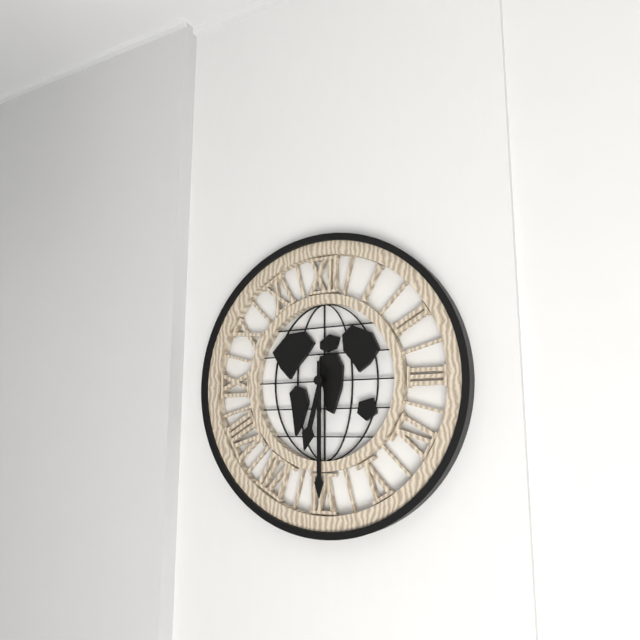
{"hour": 6, "minute": 30}
